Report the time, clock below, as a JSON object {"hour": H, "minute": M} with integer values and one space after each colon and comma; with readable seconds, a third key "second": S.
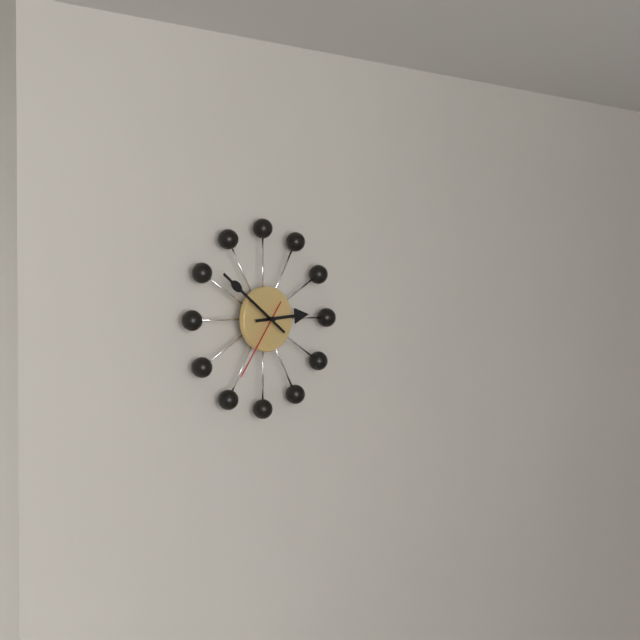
{"hour": 2, "minute": 51, "second": 36}
